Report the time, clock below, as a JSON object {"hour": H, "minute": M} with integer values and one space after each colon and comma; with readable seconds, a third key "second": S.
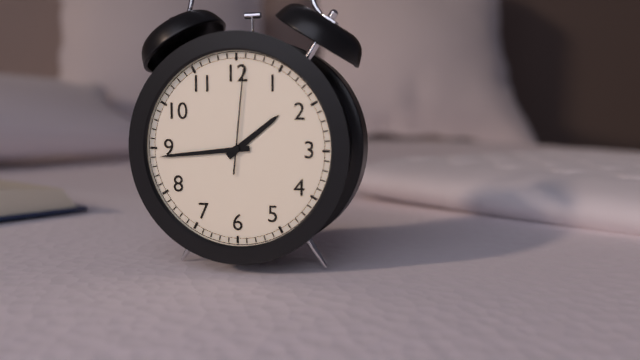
{"hour": 1, "minute": 44, "second": 1}
